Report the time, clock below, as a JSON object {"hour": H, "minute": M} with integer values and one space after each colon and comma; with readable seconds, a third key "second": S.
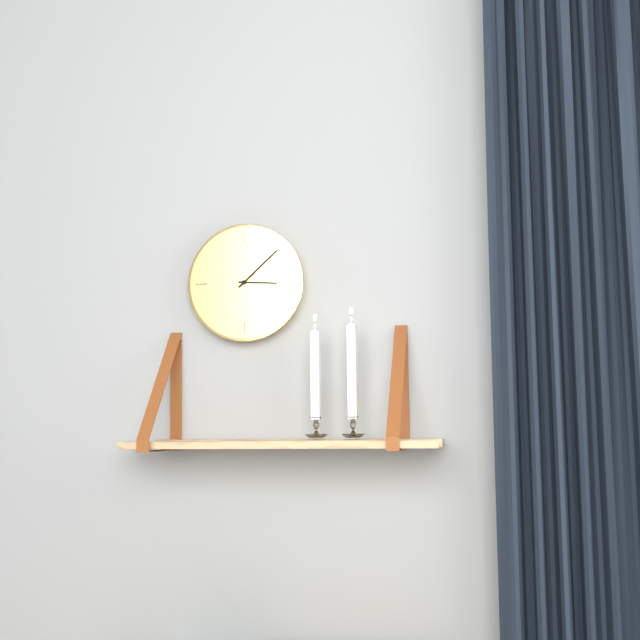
{"hour": 3, "minute": 8}
